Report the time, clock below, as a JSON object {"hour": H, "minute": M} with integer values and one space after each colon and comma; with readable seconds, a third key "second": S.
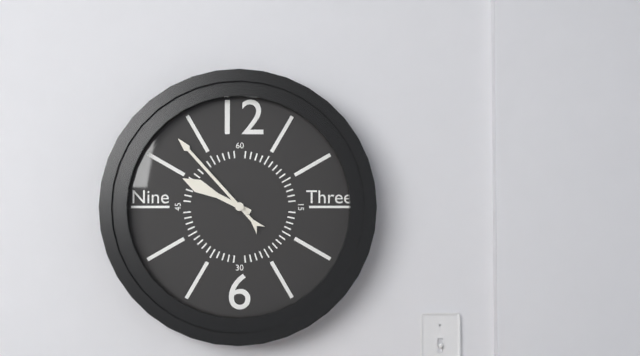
{"hour": 9, "minute": 53}
